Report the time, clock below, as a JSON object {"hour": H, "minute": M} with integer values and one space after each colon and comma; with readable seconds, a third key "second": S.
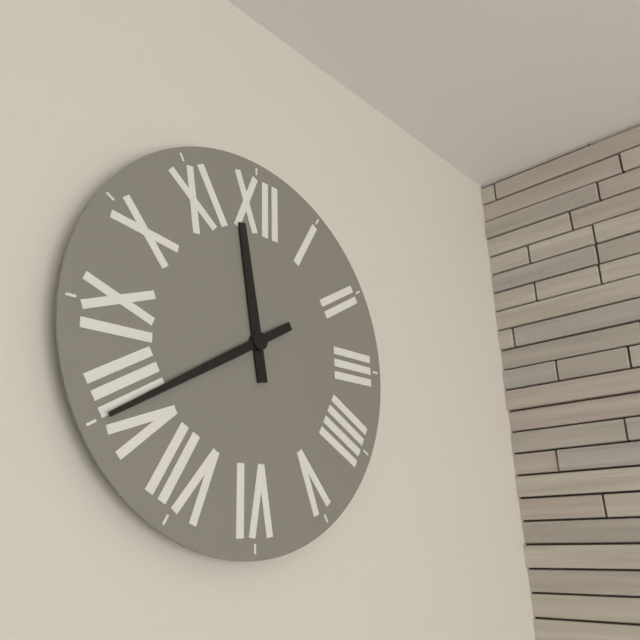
{"hour": 11, "minute": 40}
